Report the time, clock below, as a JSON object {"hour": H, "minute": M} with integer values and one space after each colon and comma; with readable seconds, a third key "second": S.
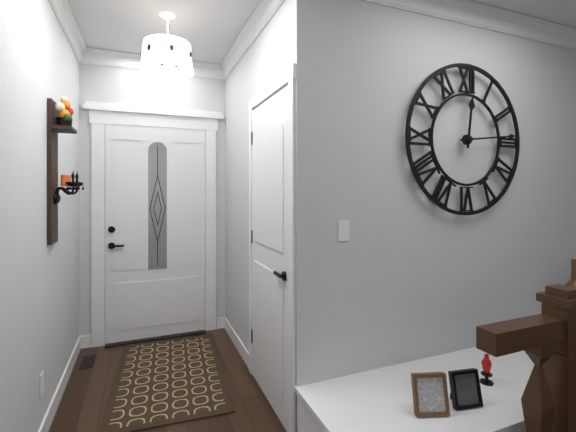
{"hour": 12, "minute": 14}
